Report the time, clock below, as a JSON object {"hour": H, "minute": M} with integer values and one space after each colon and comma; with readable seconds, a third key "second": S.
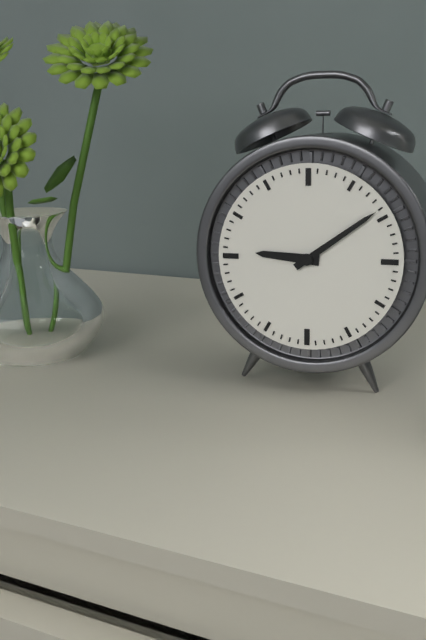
{"hour": 9, "minute": 9}
